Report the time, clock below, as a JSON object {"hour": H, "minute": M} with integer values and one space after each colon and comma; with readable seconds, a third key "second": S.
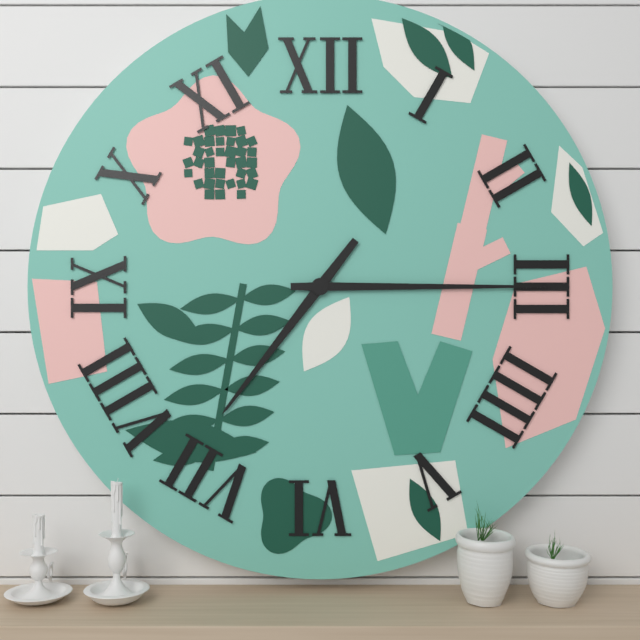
{"hour": 7, "minute": 15}
